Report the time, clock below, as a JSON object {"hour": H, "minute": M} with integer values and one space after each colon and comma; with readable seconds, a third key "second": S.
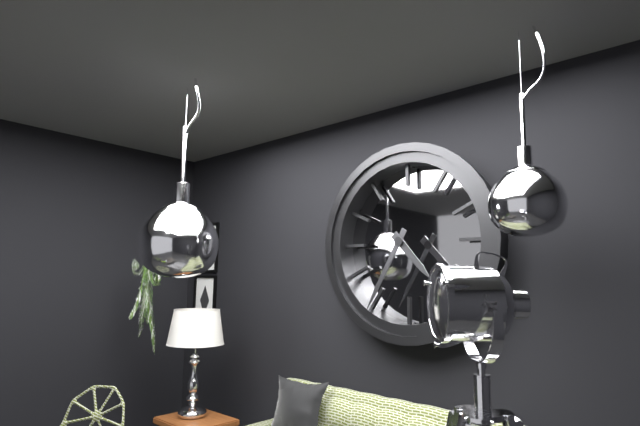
{"hour": 4, "minute": 35}
